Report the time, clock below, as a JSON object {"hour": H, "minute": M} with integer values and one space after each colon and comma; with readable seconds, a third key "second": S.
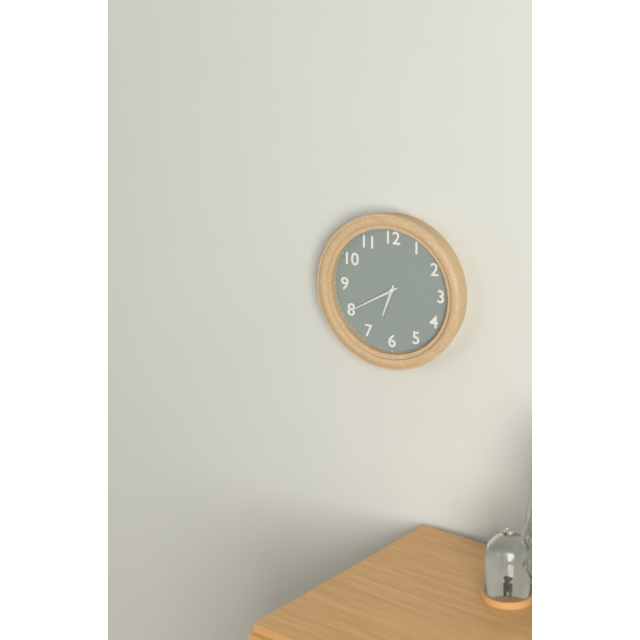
{"hour": 6, "minute": 40}
